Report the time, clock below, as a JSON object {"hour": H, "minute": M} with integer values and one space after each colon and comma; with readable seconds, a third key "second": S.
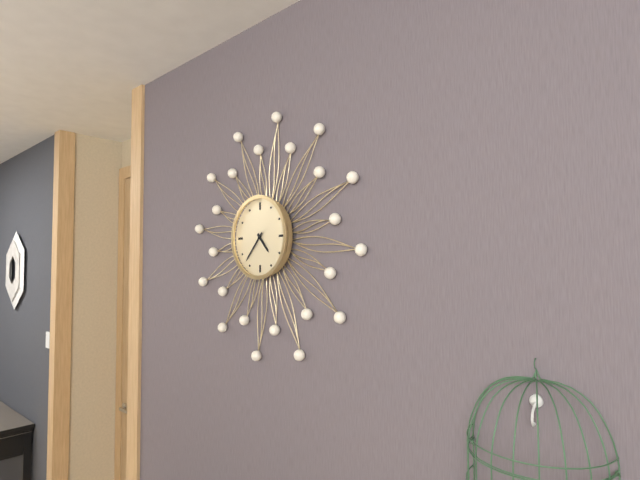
{"hour": 4, "minute": 37}
